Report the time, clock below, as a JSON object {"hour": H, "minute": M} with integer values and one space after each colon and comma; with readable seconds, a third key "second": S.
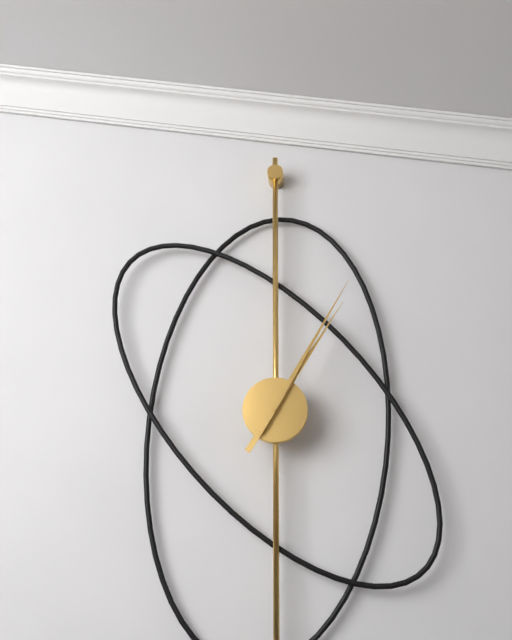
{"hour": 1, "minute": 5}
